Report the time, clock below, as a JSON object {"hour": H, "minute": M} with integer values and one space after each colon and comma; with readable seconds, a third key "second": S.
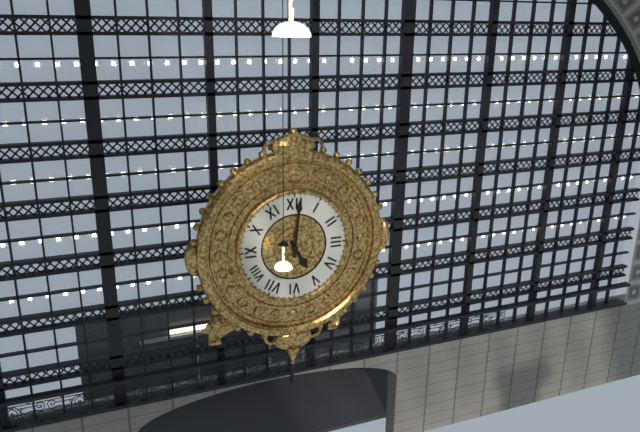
{"hour": 5, "minute": 1}
